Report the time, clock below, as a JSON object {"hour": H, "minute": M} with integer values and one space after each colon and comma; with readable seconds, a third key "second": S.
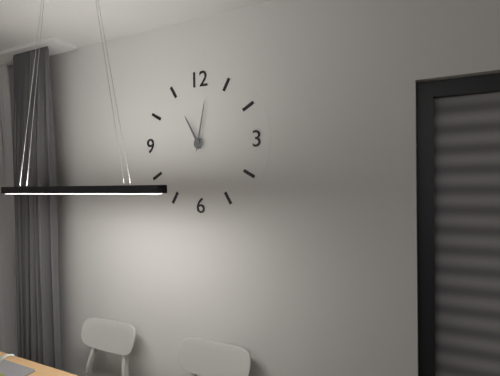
{"hour": 11, "minute": 2}
